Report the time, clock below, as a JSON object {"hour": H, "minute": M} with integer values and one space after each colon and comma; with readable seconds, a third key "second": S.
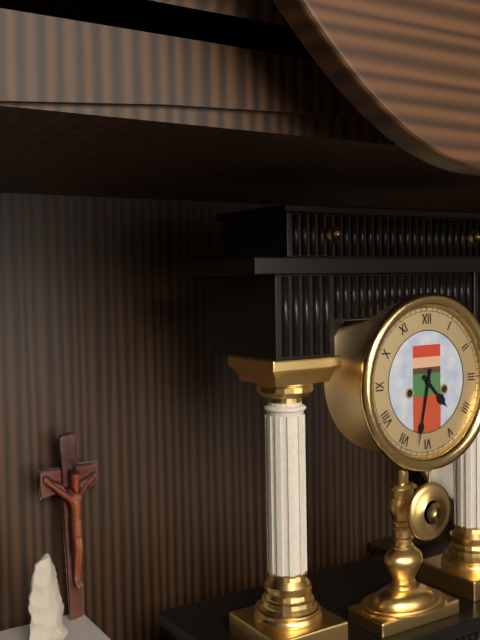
{"hour": 4, "minute": 32}
